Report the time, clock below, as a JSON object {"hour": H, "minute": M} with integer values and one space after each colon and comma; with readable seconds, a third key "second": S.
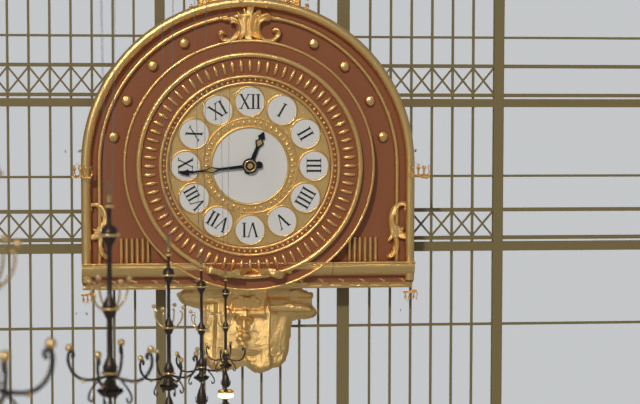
{"hour": 12, "minute": 44}
